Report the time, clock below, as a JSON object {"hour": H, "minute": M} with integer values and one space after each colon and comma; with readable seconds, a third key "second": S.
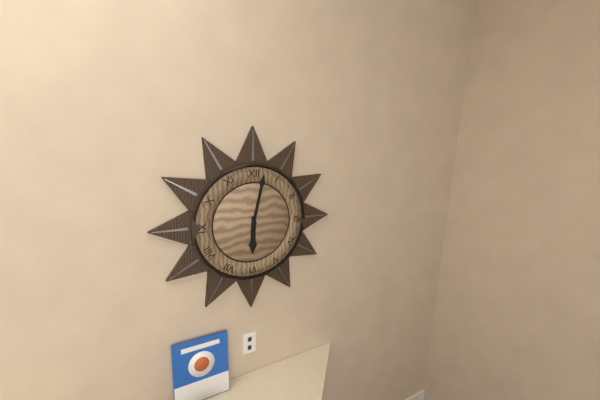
{"hour": 6, "minute": 2}
